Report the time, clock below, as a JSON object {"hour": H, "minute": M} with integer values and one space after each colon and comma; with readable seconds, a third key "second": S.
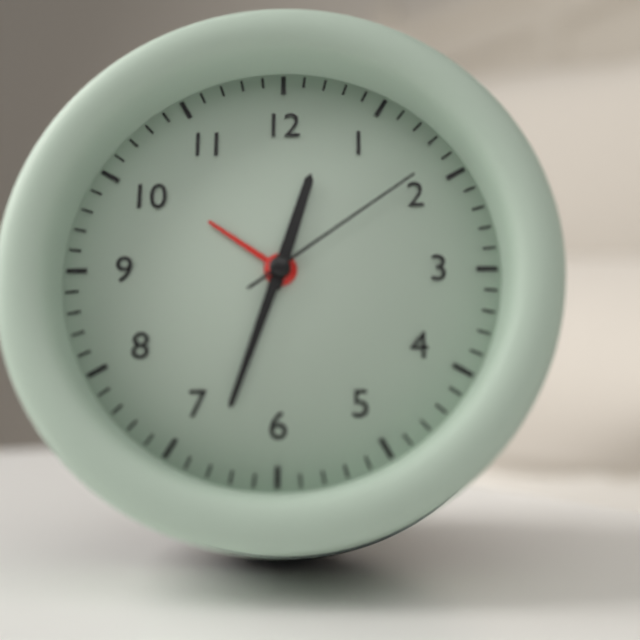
{"hour": 12, "minute": 33, "second": 9}
